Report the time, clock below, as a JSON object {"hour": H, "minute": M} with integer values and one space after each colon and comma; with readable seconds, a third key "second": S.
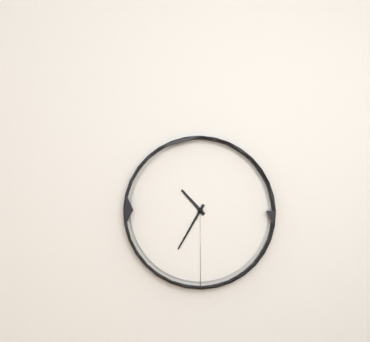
{"hour": 10, "minute": 35}
